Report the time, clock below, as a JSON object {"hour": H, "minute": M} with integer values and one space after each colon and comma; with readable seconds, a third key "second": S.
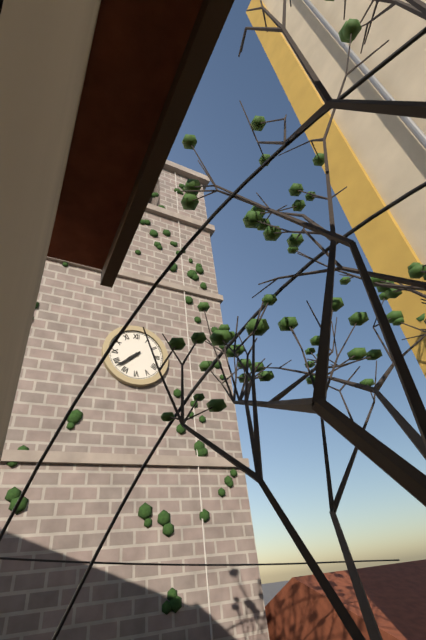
{"hour": 7, "minute": 38}
